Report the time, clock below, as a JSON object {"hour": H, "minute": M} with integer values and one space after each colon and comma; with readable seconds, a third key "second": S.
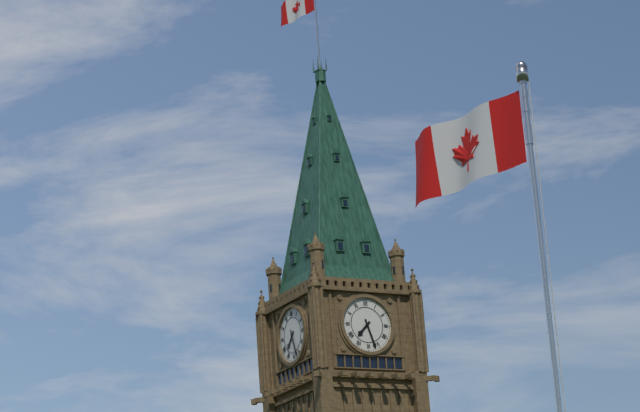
{"hour": 7, "minute": 27}
